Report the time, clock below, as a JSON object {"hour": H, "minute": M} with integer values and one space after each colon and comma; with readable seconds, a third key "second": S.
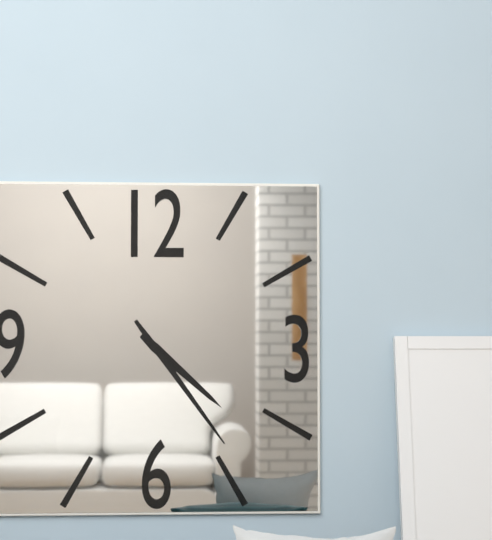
{"hour": 4, "minute": 24}
